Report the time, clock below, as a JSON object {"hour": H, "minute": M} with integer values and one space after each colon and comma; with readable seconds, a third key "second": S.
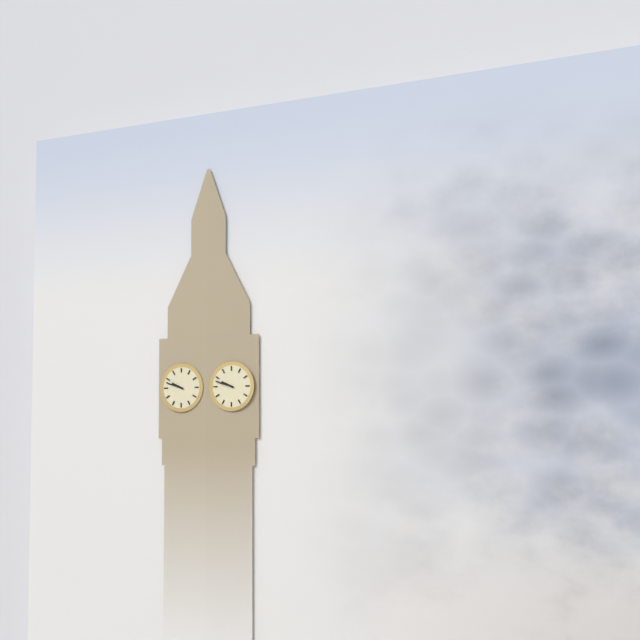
{"hour": 9, "minute": 48}
